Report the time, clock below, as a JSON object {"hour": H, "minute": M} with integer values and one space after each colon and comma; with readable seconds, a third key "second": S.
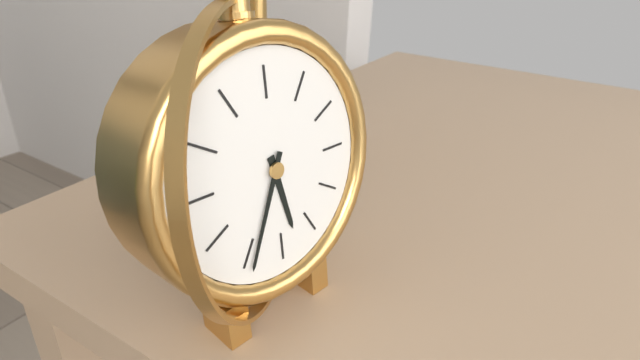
{"hour": 5, "minute": 34}
